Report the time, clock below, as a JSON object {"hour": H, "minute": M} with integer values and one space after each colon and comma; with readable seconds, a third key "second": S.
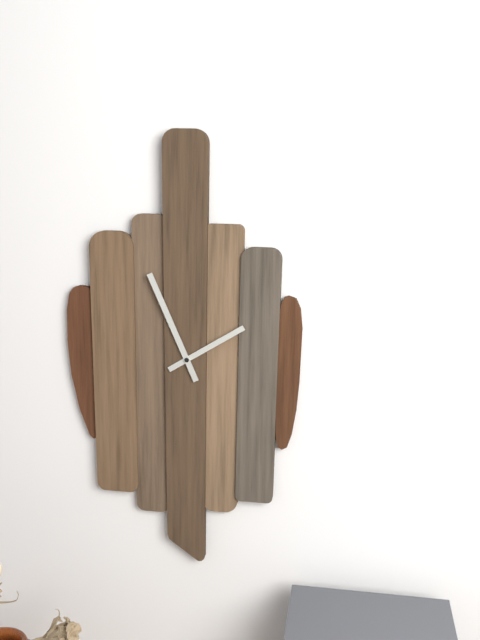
{"hour": 1, "minute": 56}
